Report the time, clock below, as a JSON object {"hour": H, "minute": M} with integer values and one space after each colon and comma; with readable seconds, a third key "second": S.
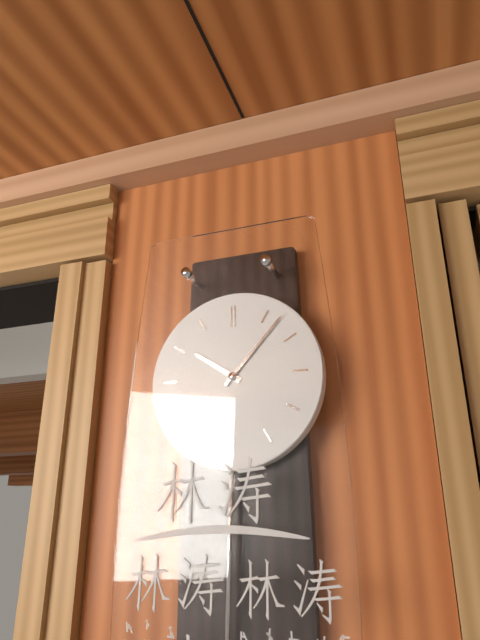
{"hour": 10, "minute": 7}
